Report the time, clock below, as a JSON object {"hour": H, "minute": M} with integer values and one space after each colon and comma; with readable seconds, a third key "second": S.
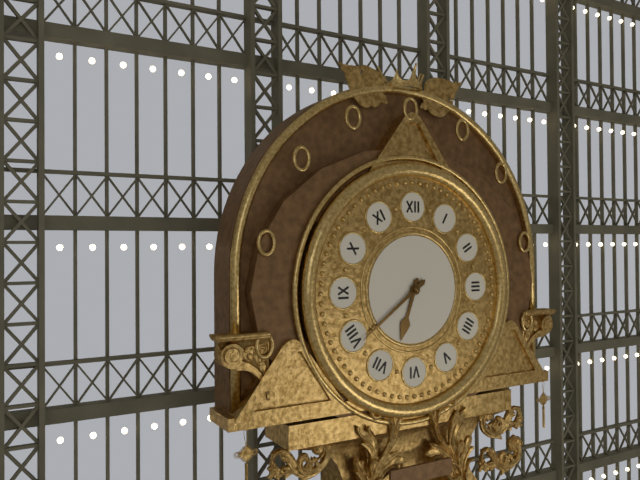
{"hour": 6, "minute": 39}
